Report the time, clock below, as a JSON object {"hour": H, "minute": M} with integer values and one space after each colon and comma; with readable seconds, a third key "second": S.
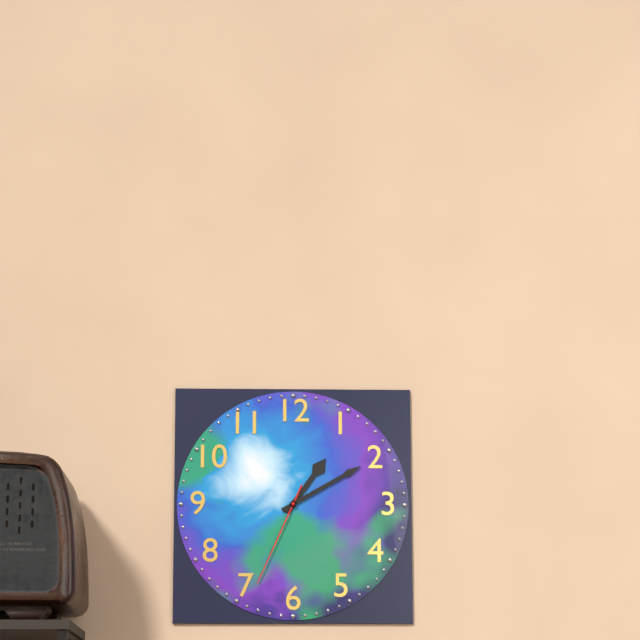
{"hour": 1, "minute": 10, "second": 34}
